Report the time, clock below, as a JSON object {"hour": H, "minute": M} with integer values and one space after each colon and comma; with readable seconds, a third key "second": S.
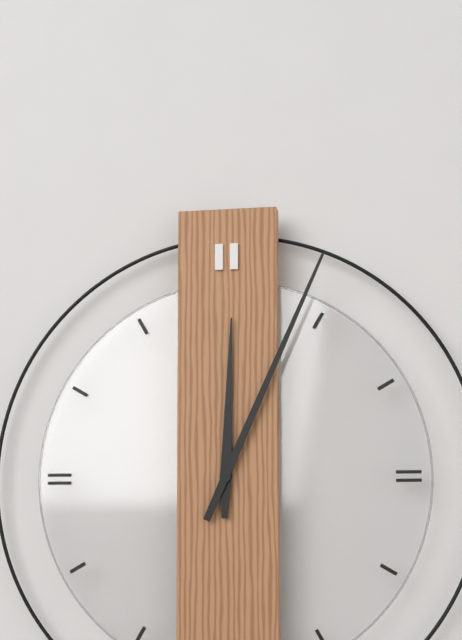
{"hour": 12, "minute": 4}
